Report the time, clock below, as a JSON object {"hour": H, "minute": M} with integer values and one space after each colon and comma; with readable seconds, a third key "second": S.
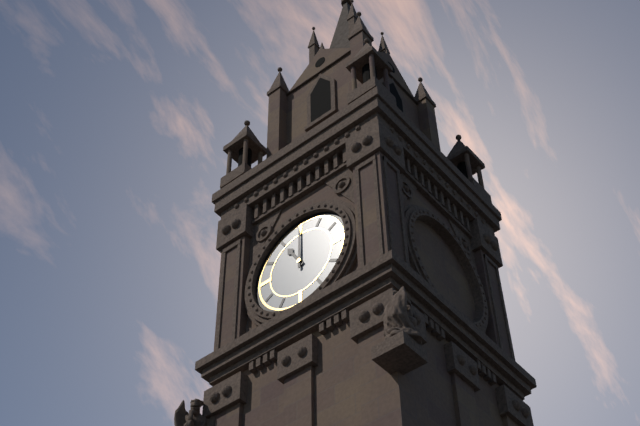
{"hour": 11, "minute": 0}
